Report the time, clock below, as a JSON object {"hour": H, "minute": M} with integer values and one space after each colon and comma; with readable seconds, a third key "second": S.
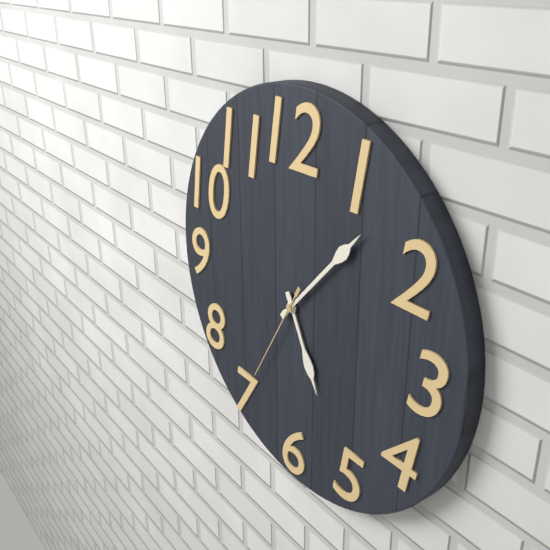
{"hour": 5, "minute": 7, "second": 35}
